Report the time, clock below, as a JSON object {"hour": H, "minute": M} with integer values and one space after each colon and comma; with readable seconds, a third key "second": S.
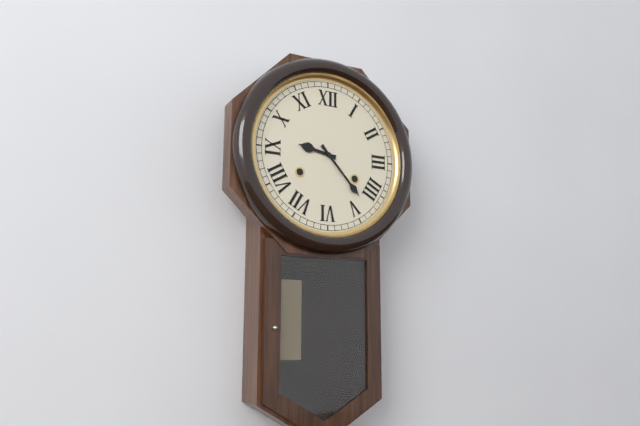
{"hour": 9, "minute": 23}
